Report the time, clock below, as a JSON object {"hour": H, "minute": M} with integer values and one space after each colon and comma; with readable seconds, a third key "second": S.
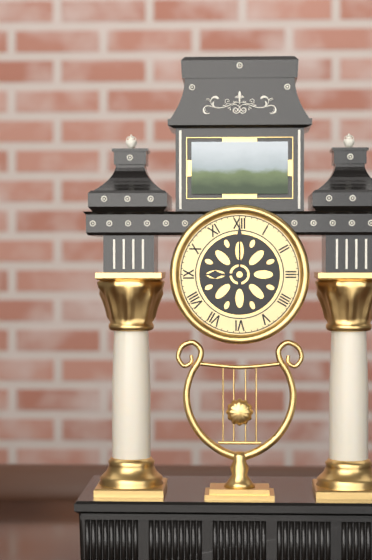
{"hour": 9, "minute": 0}
